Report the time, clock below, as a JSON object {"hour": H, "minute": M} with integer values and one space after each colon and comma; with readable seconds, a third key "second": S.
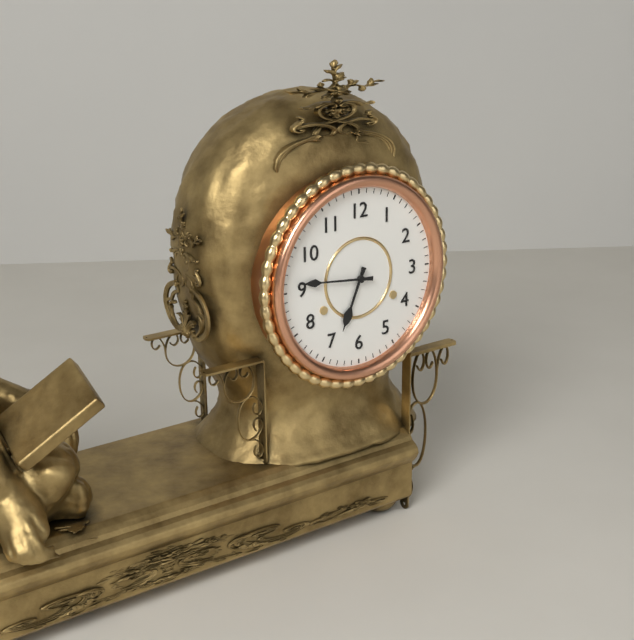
{"hour": 6, "minute": 46}
